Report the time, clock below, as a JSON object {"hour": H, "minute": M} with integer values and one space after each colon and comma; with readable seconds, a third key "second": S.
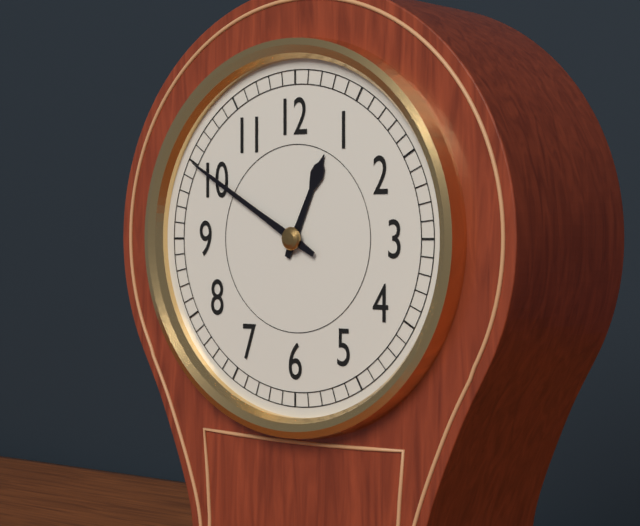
{"hour": 12, "minute": 50}
